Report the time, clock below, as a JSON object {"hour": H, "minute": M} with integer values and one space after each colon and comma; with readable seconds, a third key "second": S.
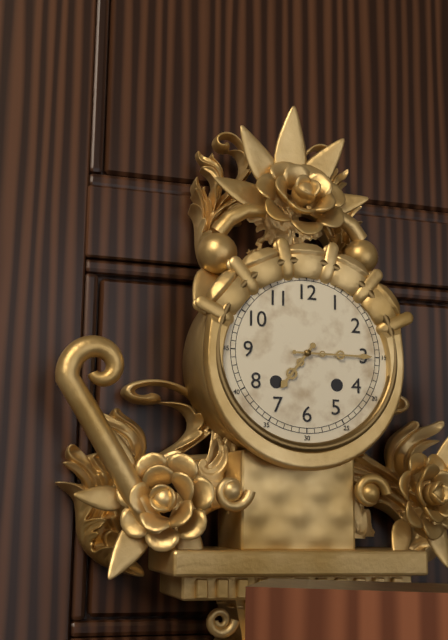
{"hour": 7, "minute": 15}
